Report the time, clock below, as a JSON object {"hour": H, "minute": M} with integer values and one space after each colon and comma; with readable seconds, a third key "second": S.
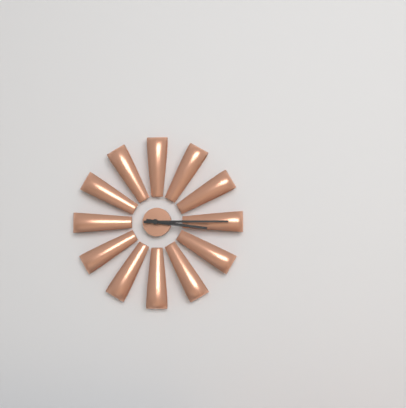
{"hour": 3, "minute": 15}
